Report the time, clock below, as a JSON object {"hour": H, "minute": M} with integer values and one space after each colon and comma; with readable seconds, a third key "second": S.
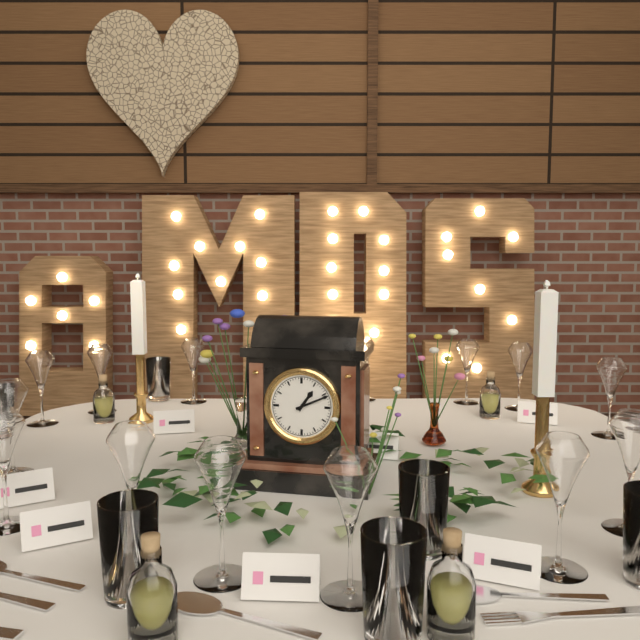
{"hour": 1, "minute": 11}
